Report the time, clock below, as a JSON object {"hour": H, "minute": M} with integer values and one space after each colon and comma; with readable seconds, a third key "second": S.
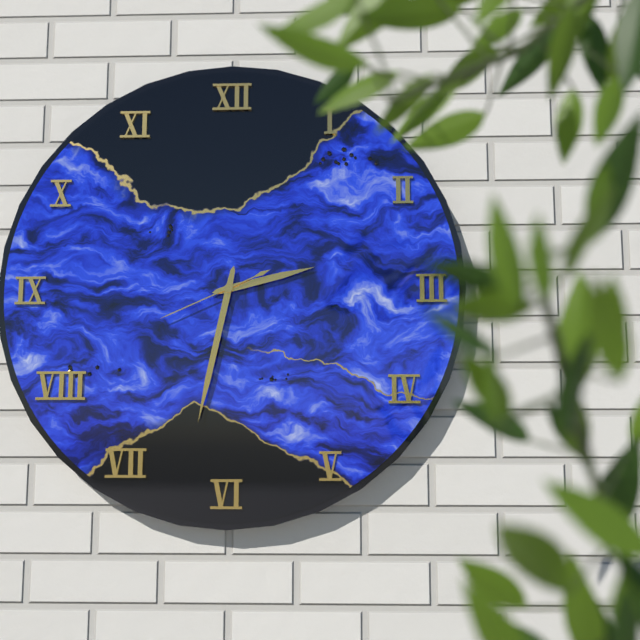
{"hour": 2, "minute": 32, "second": 41}
